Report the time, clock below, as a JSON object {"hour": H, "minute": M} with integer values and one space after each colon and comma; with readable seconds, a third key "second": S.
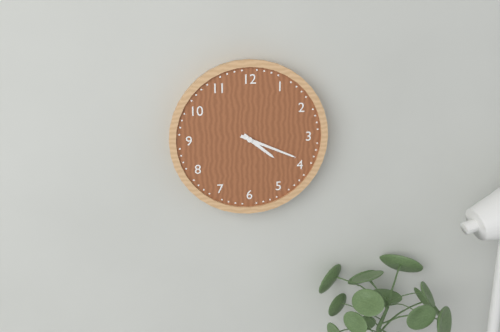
{"hour": 4, "minute": 19}
